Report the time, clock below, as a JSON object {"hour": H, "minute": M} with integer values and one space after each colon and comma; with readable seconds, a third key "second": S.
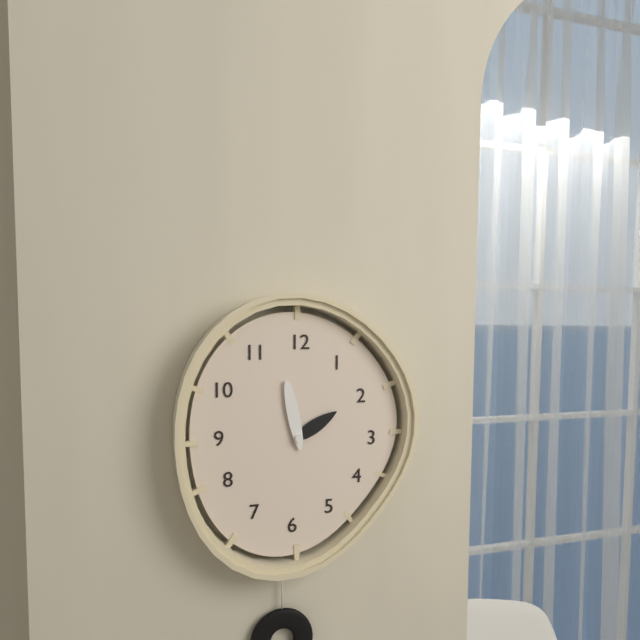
{"hour": 1, "minute": 58}
